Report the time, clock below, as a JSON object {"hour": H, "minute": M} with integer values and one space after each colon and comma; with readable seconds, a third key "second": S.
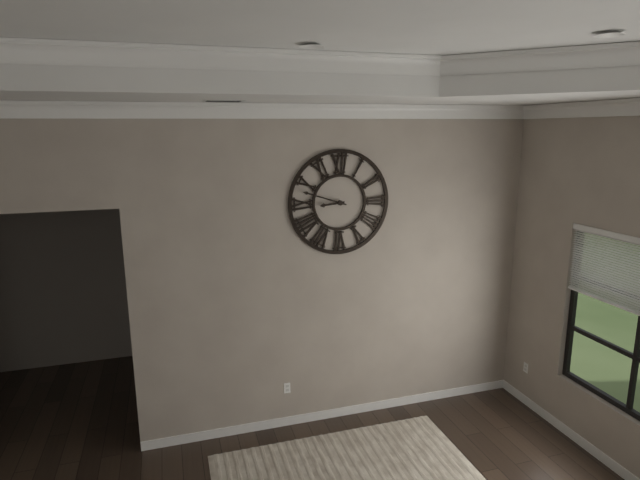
{"hour": 8, "minute": 48}
